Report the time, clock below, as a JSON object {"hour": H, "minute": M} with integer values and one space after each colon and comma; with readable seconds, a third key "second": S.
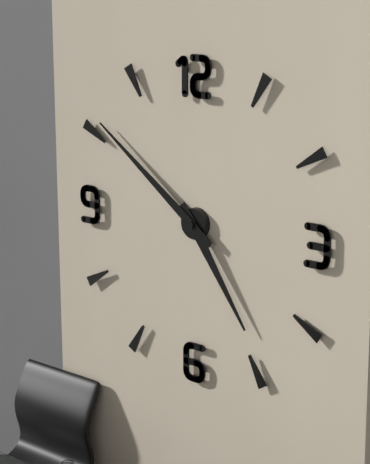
{"hour": 4, "minute": 51}
